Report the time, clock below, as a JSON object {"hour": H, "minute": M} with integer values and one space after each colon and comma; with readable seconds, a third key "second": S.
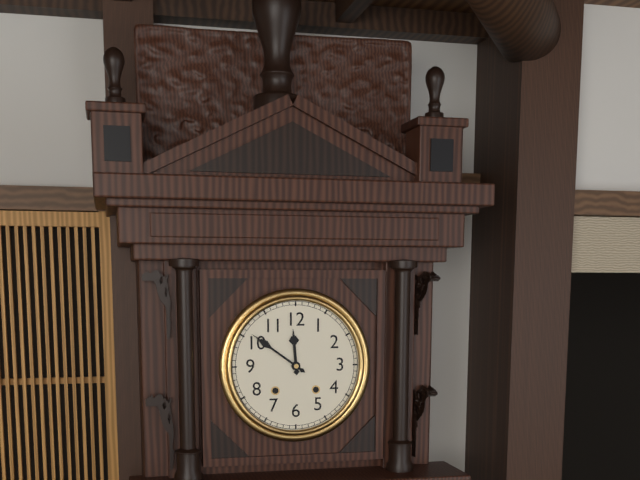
{"hour": 11, "minute": 51}
